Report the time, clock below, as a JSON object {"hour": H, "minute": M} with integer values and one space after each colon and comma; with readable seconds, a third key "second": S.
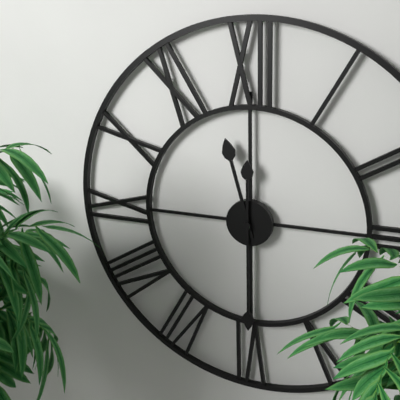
{"hour": 11, "minute": 30}
